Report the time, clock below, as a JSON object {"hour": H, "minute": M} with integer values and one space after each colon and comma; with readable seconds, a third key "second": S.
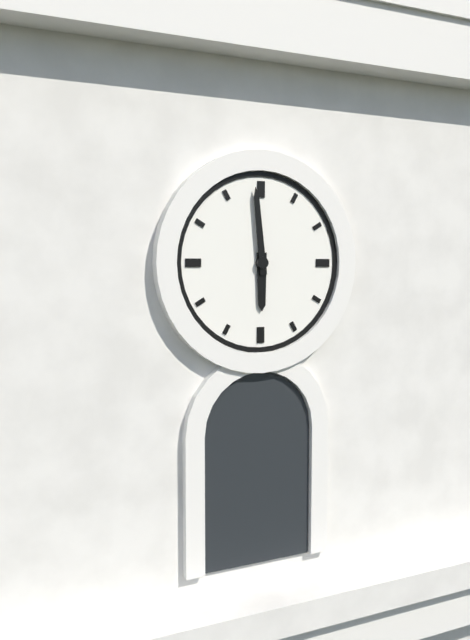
{"hour": 5, "minute": 59}
